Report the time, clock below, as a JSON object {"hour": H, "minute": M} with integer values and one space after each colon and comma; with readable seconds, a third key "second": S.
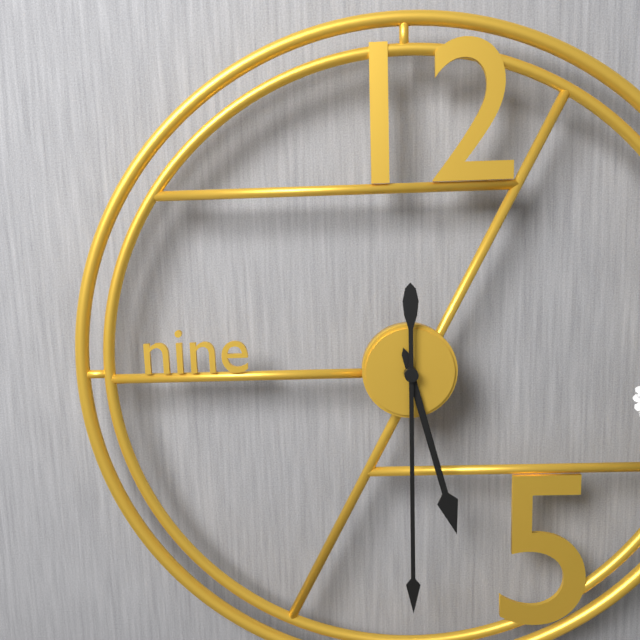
{"hour": 5, "minute": 30}
